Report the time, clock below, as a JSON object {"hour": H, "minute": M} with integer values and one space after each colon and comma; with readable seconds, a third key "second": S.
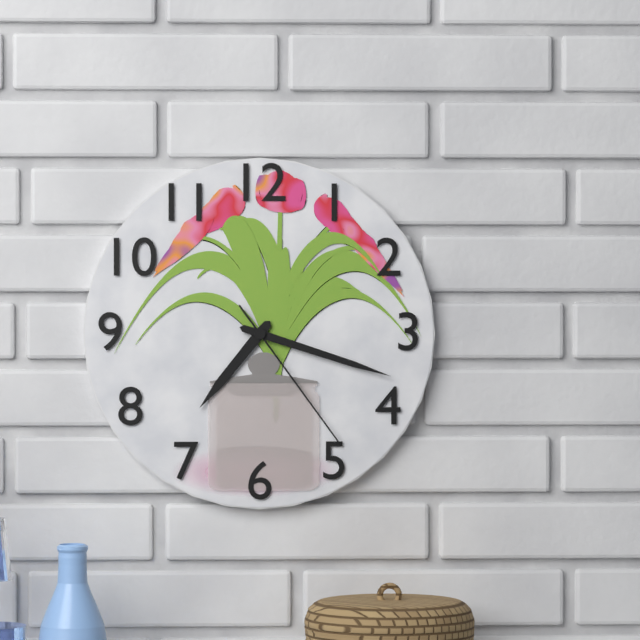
{"hour": 7, "minute": 18, "second": 24}
